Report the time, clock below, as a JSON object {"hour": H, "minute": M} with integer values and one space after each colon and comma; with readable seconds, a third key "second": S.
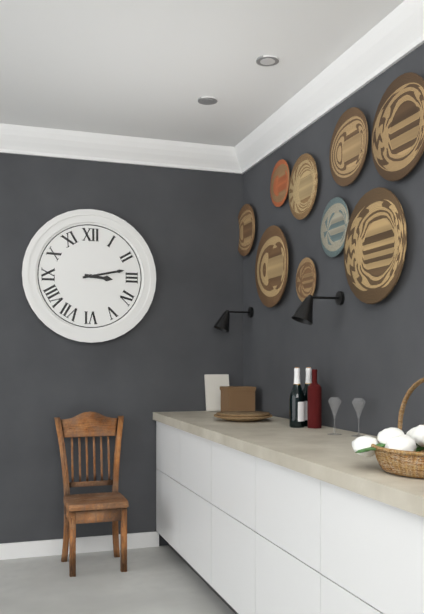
{"hour": 3, "minute": 13}
